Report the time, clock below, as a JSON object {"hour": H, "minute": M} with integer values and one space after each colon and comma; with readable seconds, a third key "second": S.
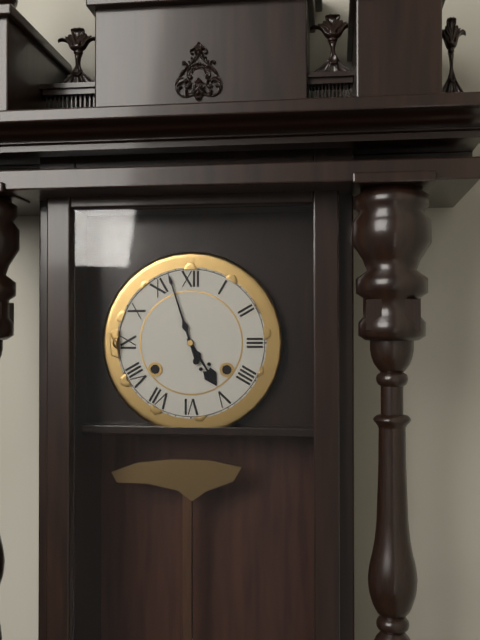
{"hour": 4, "minute": 57}
